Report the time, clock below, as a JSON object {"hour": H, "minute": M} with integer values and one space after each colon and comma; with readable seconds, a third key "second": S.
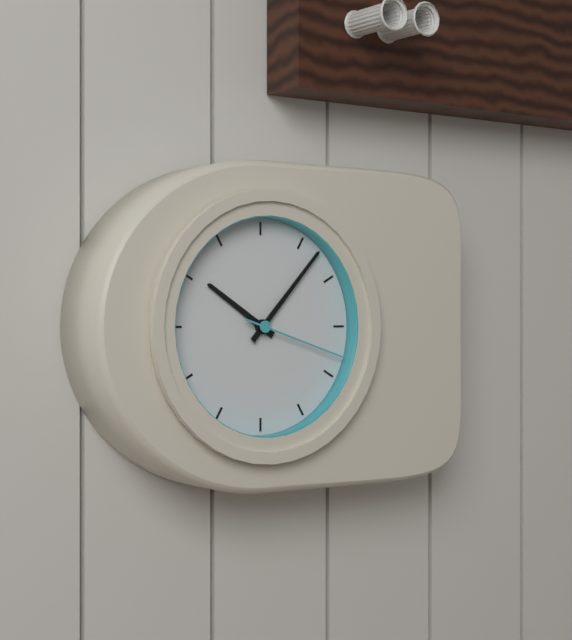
{"hour": 10, "minute": 7, "second": 18}
